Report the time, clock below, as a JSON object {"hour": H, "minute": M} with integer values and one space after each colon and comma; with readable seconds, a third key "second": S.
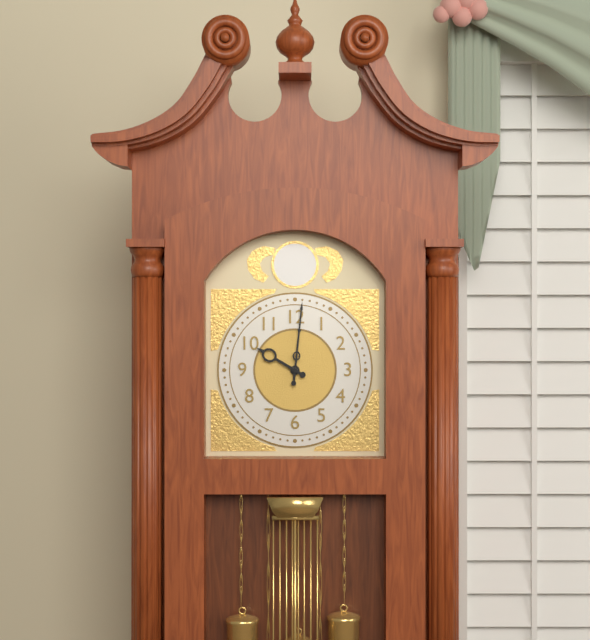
{"hour": 10, "minute": 1}
